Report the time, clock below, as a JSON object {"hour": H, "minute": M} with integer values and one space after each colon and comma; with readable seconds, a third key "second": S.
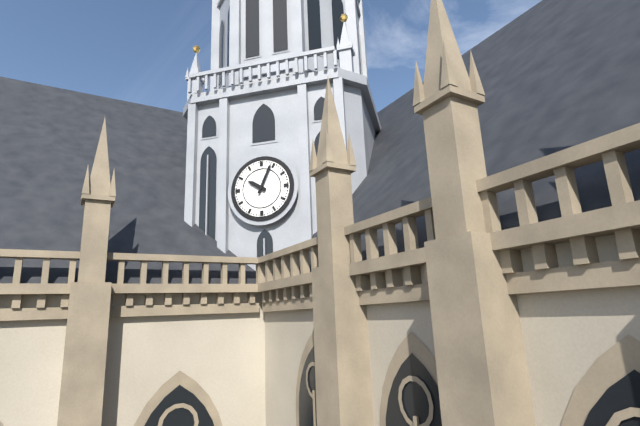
{"hour": 10, "minute": 4}
